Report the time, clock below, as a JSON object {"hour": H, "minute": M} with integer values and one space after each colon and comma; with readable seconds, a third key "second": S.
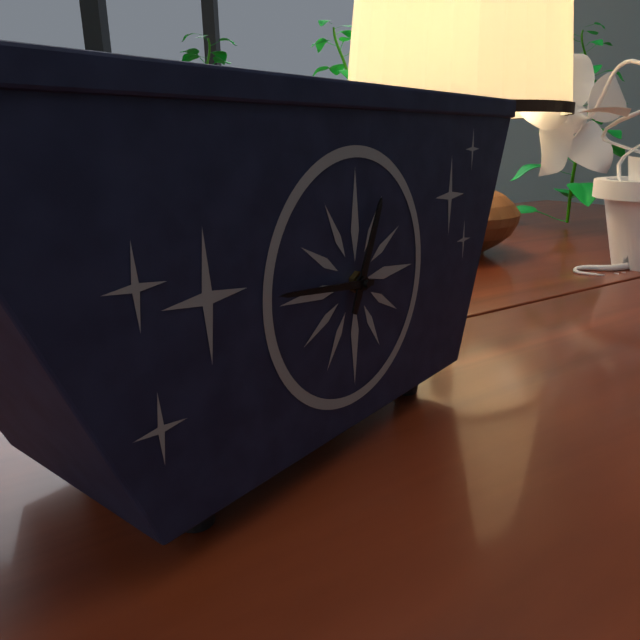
{"hour": 12, "minute": 46}
